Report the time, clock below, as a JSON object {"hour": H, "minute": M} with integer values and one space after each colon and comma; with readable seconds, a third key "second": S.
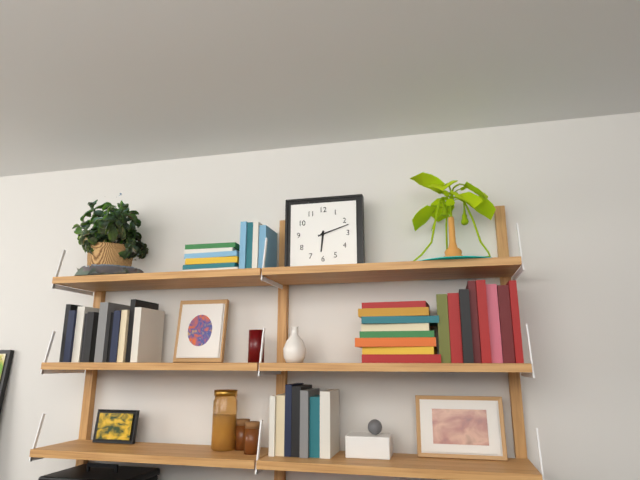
{"hour": 6, "minute": 12}
